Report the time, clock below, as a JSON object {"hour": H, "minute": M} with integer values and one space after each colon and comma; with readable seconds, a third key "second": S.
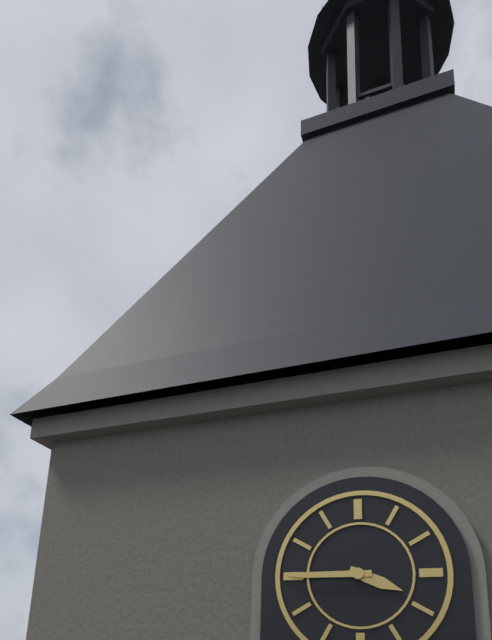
{"hour": 3, "minute": 45}
